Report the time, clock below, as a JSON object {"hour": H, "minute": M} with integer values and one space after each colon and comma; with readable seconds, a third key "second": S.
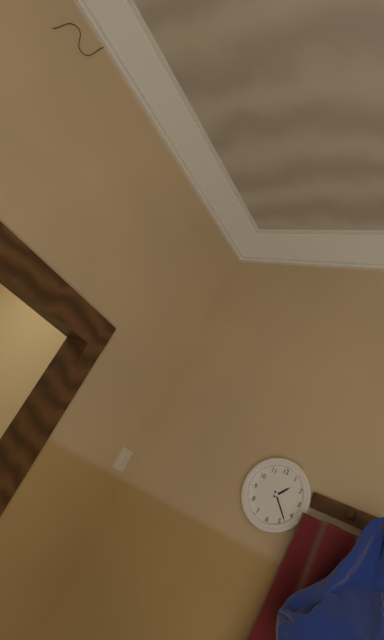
{"hour": 1, "minute": 23}
